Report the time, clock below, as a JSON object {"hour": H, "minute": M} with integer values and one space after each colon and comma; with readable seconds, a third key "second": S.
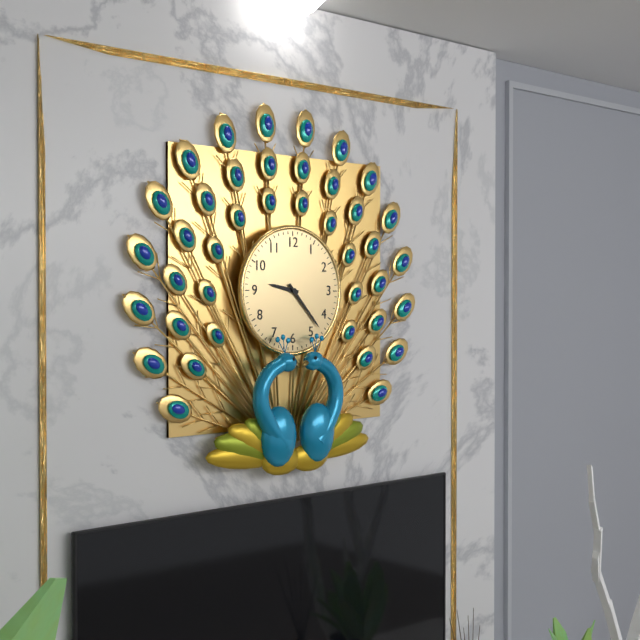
{"hour": 9, "minute": 23}
